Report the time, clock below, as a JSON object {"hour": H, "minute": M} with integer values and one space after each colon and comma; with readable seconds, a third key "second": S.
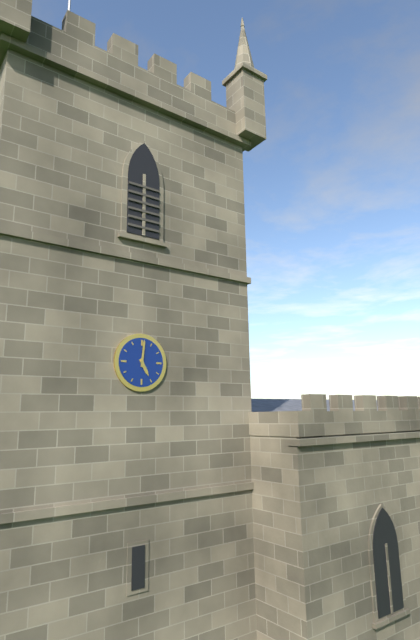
{"hour": 5, "minute": 1}
